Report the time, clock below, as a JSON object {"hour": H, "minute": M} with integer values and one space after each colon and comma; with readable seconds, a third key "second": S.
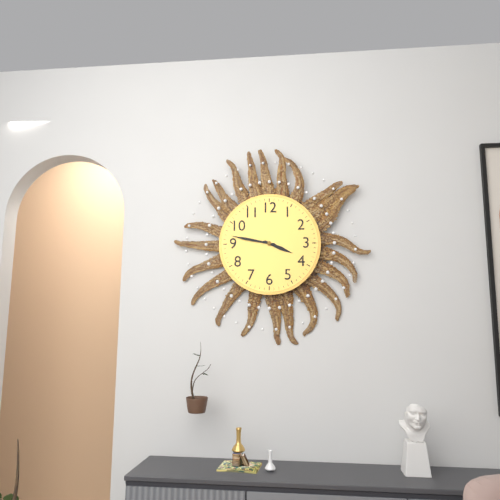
{"hour": 3, "minute": 47}
